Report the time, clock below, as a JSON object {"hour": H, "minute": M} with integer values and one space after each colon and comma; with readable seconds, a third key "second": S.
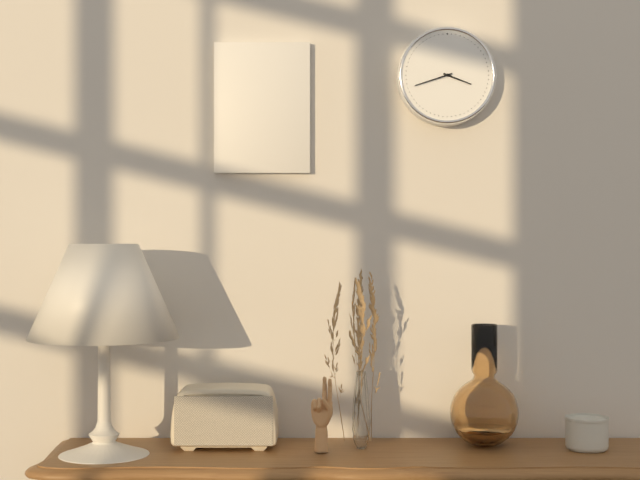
{"hour": 3, "minute": 42}
